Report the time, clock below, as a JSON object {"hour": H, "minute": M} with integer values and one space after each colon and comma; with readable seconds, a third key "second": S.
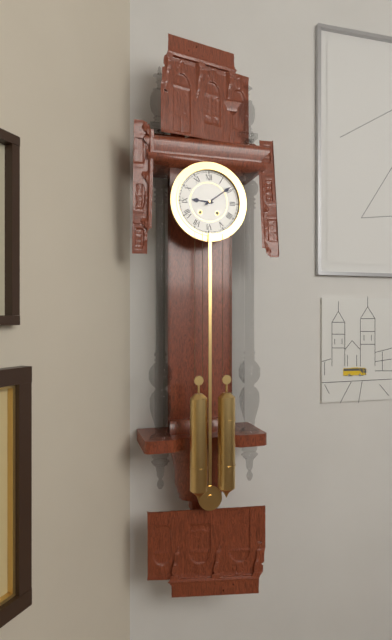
{"hour": 9, "minute": 9}
